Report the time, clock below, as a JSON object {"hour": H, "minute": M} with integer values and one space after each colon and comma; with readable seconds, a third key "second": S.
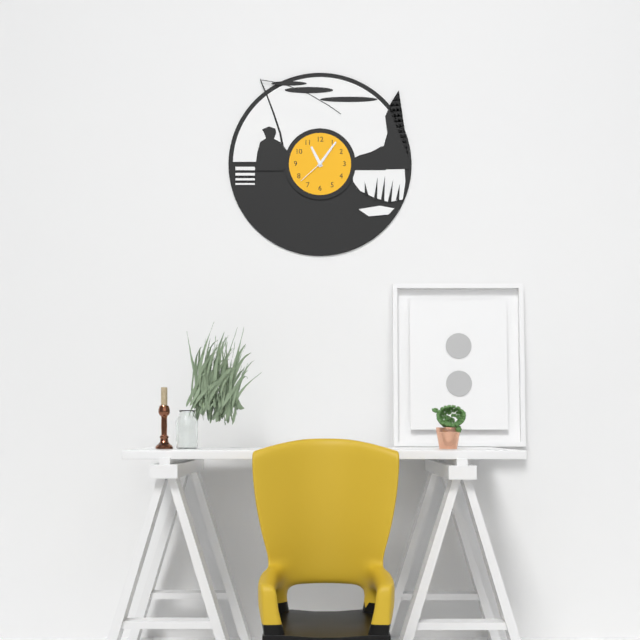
{"hour": 11, "minute": 6}
